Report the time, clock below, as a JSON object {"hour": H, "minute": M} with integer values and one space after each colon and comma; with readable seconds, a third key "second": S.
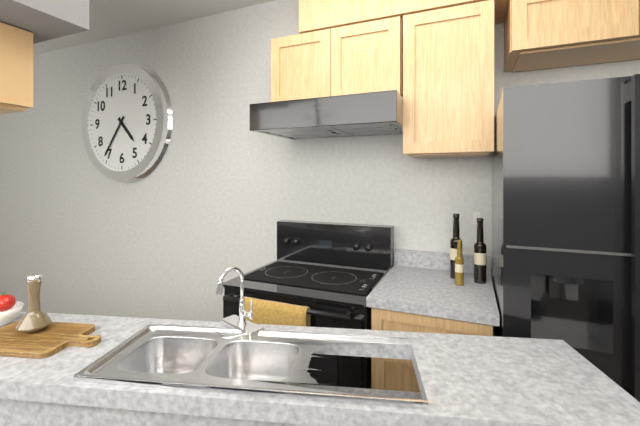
{"hour": 4, "minute": 36}
